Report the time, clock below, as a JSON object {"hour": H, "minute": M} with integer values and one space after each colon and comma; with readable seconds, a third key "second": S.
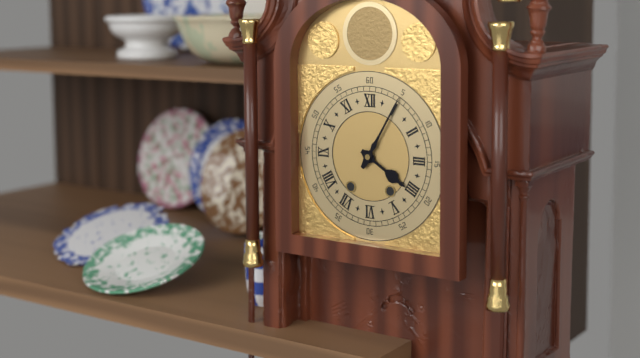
{"hour": 4, "minute": 5}
